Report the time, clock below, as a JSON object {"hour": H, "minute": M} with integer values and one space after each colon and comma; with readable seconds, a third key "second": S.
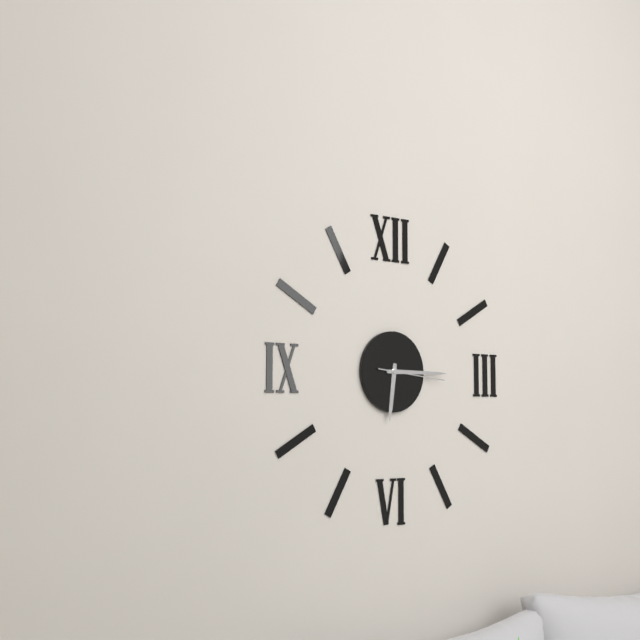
{"hour": 6, "minute": 15, "second": 16}
